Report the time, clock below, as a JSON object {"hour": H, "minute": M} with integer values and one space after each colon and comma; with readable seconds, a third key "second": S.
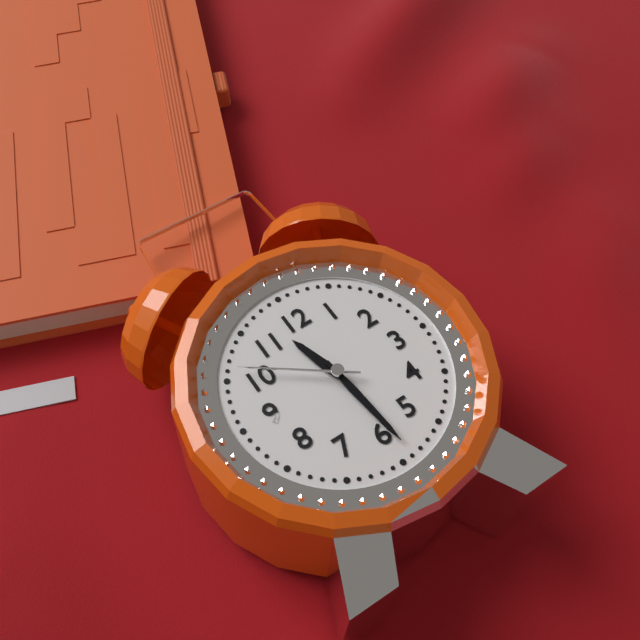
{"hour": 11, "minute": 29, "second": 51}
